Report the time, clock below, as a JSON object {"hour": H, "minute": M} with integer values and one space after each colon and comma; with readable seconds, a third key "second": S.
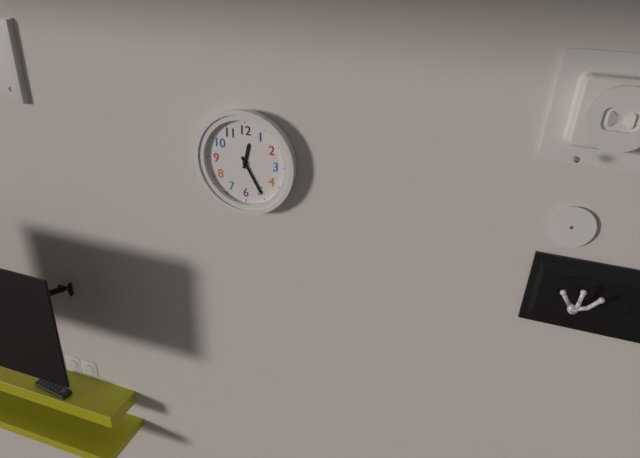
{"hour": 12, "minute": 25}
